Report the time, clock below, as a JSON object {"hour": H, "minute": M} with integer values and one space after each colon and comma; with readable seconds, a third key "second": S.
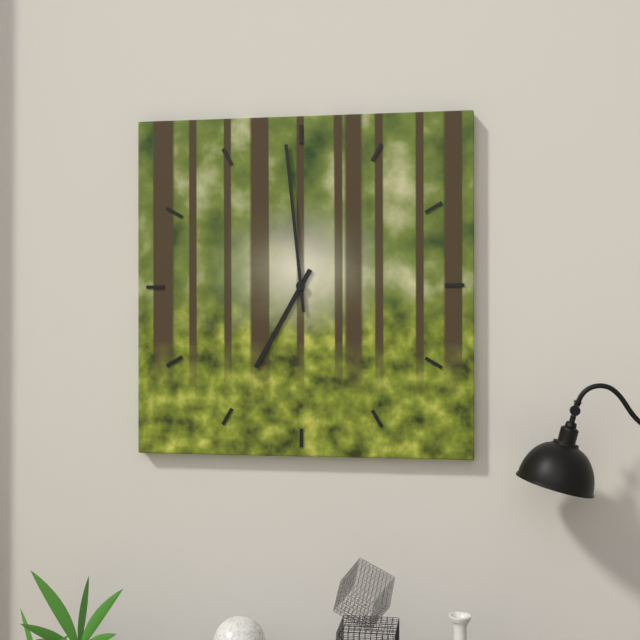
{"hour": 6, "minute": 59}
